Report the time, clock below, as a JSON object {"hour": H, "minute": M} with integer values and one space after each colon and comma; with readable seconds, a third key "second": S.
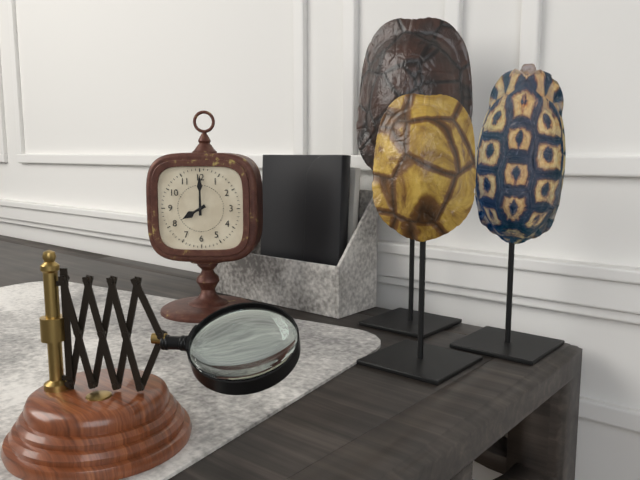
{"hour": 8, "minute": 0}
